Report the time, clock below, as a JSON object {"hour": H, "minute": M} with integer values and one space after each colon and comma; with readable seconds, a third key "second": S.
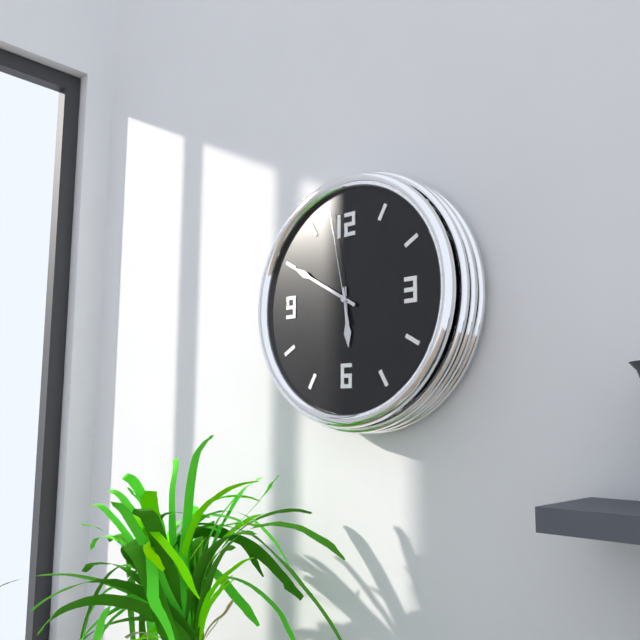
{"hour": 5, "minute": 50, "second": 58}
